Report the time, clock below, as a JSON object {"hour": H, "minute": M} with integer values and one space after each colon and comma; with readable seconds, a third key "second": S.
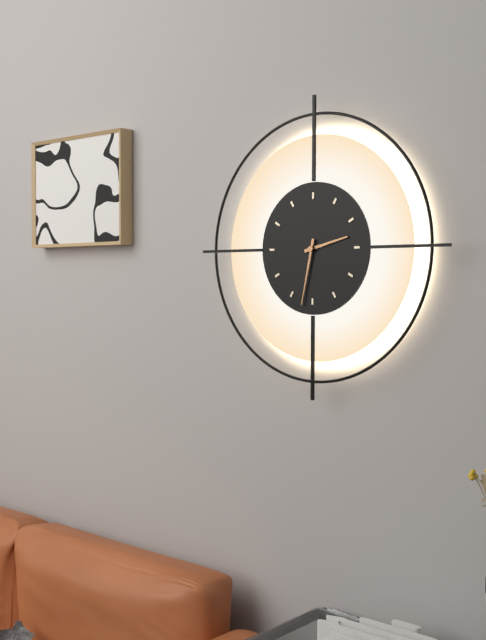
{"hour": 2, "minute": 32}
